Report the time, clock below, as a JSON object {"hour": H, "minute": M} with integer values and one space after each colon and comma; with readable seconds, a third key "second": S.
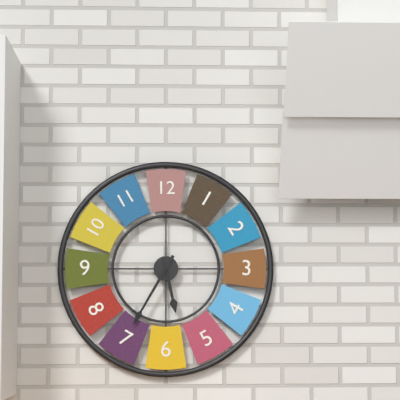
{"hour": 5, "minute": 35}
